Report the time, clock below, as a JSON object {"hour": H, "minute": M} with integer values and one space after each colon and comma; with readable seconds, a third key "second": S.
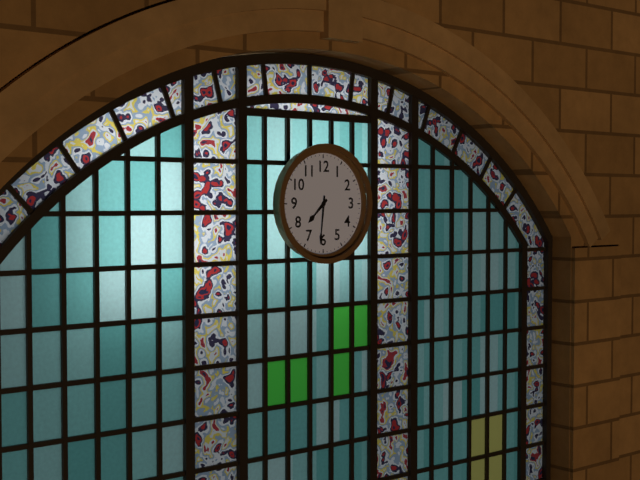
{"hour": 7, "minute": 31}
